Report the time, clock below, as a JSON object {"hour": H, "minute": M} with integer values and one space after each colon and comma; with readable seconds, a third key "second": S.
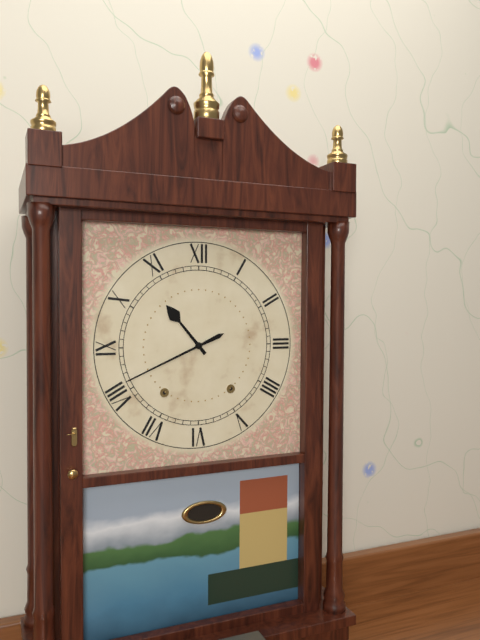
{"hour": 10, "minute": 41}
